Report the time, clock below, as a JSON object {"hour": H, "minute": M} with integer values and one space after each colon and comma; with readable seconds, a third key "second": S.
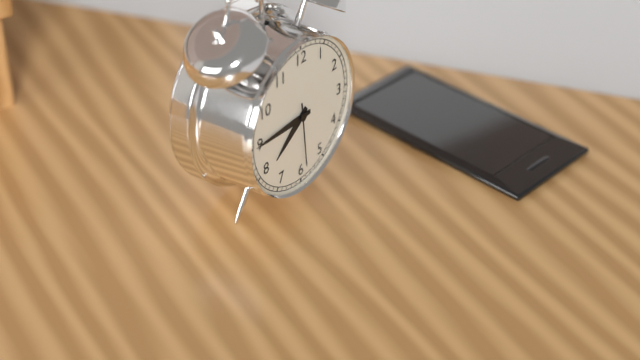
{"hour": 7, "minute": 45, "second": 29}
